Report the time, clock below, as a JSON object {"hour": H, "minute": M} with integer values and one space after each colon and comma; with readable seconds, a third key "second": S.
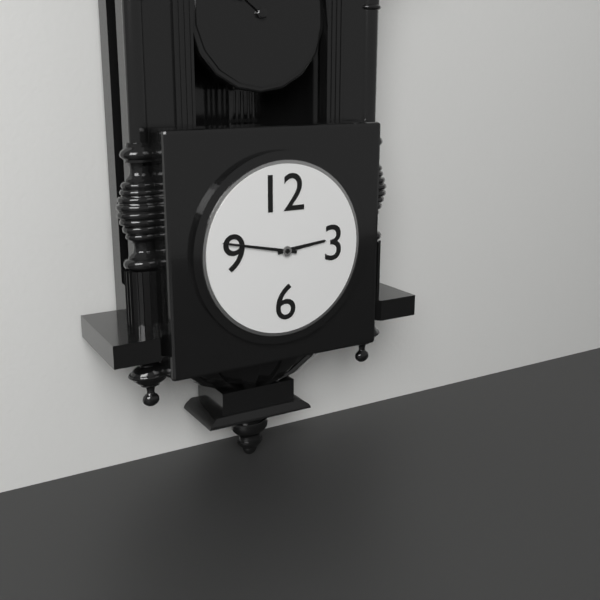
{"hour": 2, "minute": 47}
